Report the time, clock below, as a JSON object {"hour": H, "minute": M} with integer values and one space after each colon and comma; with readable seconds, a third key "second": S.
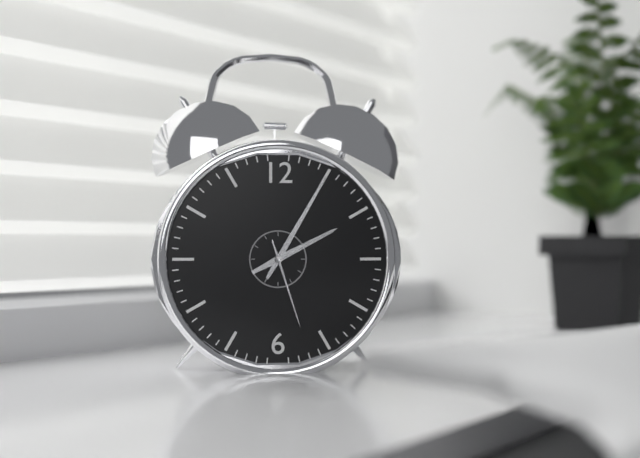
{"hour": 2, "minute": 5, "second": 27}
